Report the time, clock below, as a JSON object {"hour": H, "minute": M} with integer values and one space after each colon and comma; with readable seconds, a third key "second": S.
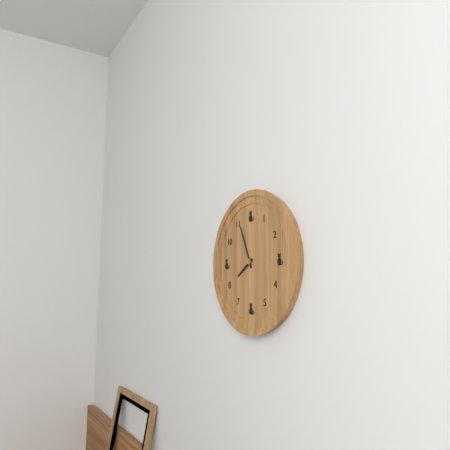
{"hour": 7, "minute": 56}
